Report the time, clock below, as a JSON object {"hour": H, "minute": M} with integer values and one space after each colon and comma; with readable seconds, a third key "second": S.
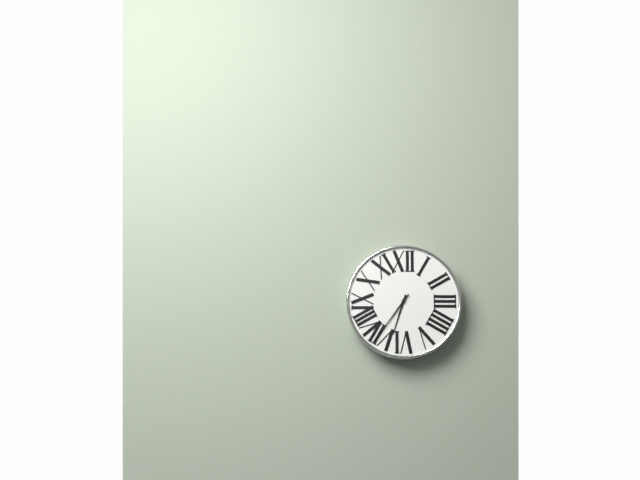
{"hour": 6, "minute": 36}
